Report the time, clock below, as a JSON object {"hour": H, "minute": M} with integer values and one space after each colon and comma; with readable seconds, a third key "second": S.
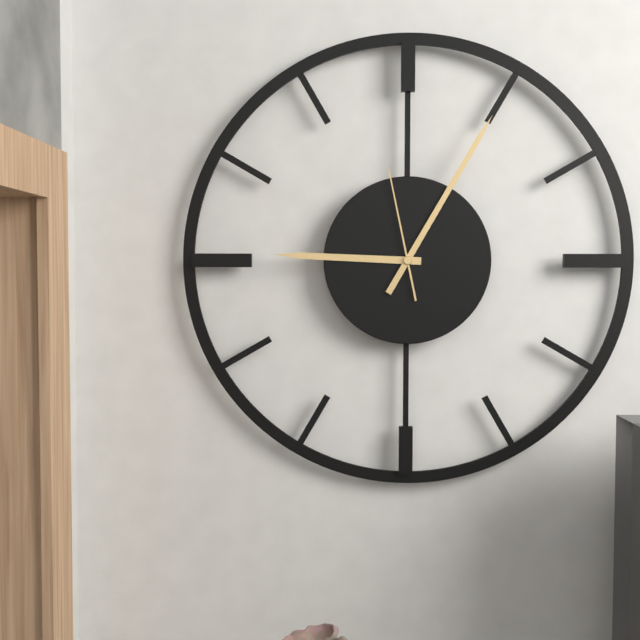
{"hour": 9, "minute": 5, "second": 58}
